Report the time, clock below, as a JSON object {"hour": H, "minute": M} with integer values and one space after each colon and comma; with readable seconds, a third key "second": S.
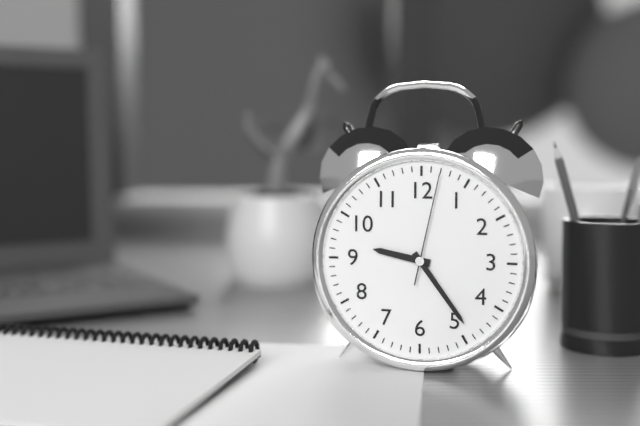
{"hour": 9, "minute": 24, "second": 2}
